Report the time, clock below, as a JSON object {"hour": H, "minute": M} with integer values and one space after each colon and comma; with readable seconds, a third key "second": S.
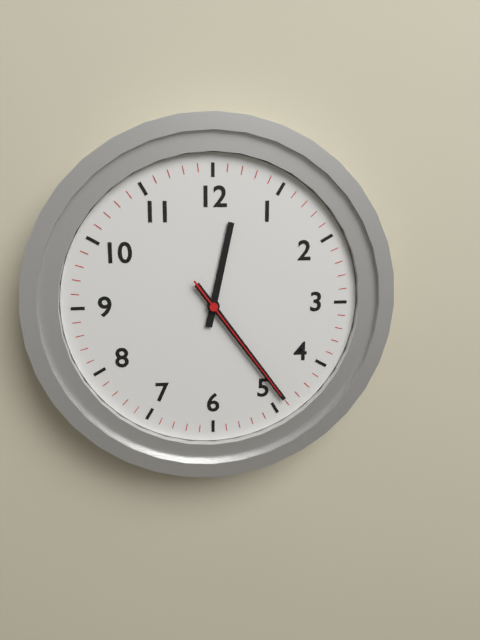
{"hour": 12, "minute": 24, "second": 24}
